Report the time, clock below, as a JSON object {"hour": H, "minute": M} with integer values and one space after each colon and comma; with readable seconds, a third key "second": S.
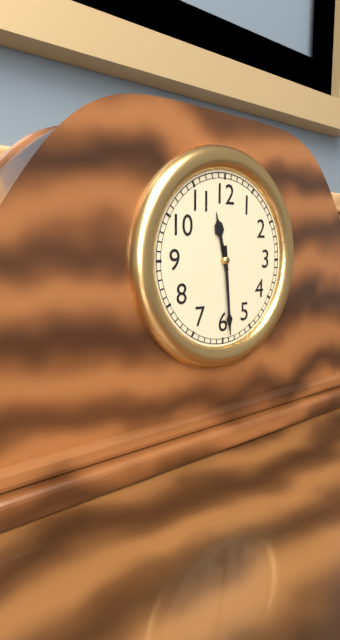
{"hour": 11, "minute": 29}
